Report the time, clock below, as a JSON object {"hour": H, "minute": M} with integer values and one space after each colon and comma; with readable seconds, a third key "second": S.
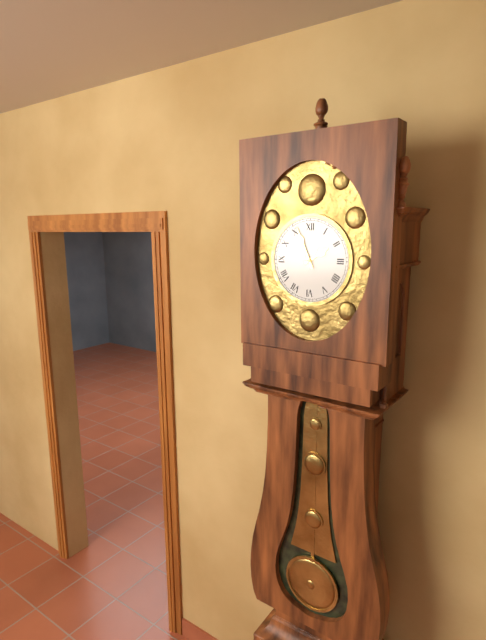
{"hour": 1, "minute": 56}
